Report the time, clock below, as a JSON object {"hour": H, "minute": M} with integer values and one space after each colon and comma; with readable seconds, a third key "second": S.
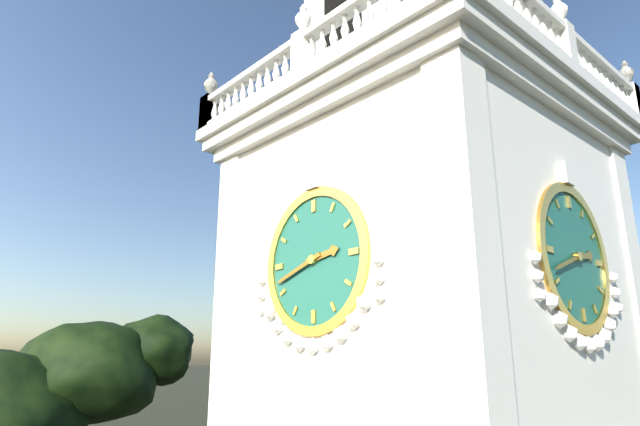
{"hour": 2, "minute": 42}
